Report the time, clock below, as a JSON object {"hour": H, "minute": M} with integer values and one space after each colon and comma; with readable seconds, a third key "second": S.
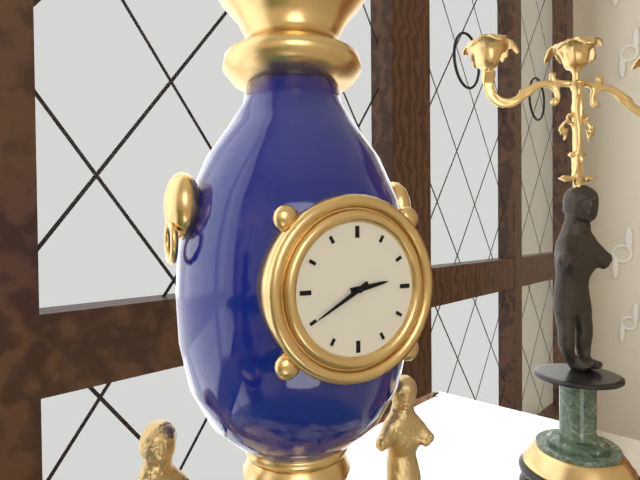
{"hour": 2, "minute": 40}
